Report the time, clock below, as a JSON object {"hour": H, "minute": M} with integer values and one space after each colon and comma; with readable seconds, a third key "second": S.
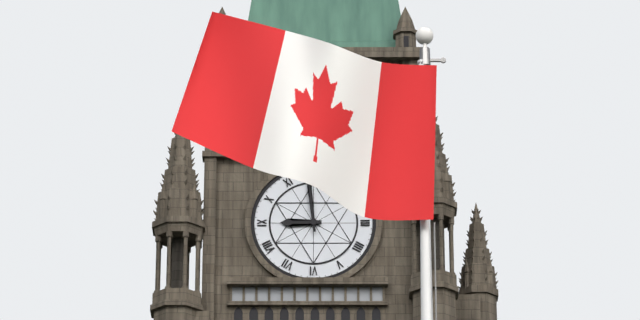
{"hour": 8, "minute": 59}
